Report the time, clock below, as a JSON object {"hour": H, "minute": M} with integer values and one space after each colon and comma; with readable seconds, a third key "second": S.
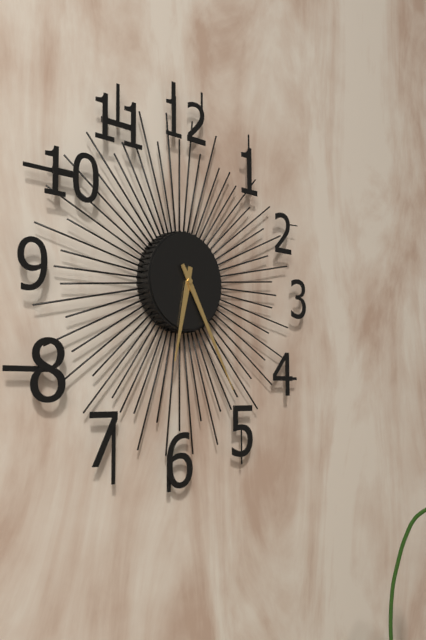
{"hour": 6, "minute": 25}
